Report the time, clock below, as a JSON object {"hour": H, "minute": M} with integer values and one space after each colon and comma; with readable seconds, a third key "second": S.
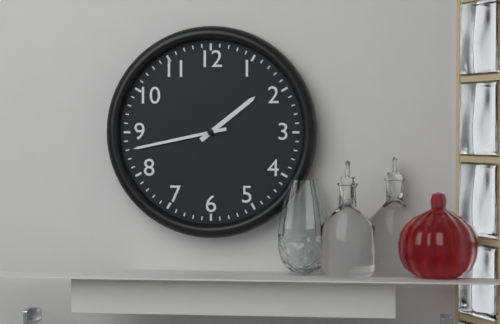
{"hour": 1, "minute": 43}
